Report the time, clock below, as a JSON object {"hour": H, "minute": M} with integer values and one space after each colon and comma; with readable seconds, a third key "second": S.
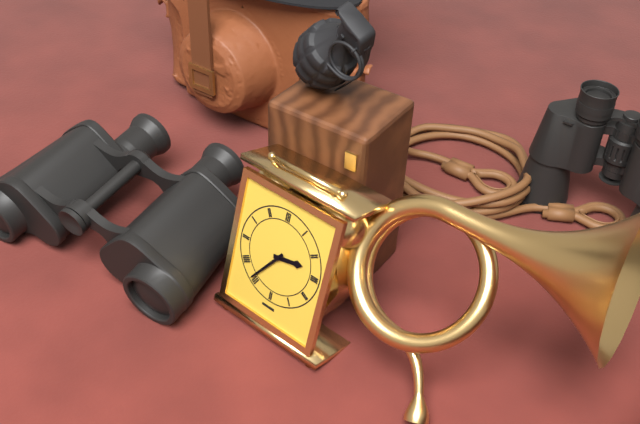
{"hour": 2, "minute": 36}
